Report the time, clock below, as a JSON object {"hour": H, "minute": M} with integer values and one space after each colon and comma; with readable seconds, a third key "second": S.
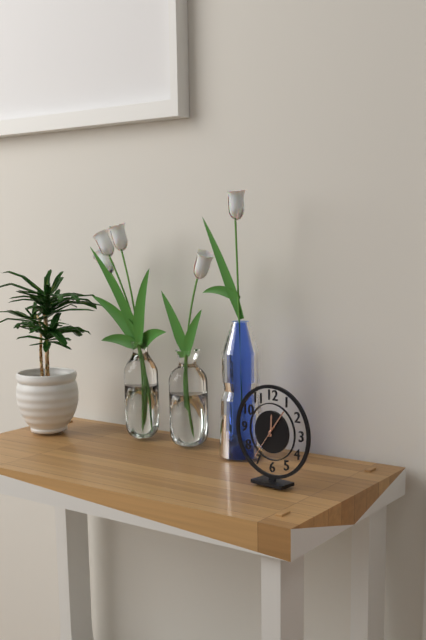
{"hour": 12, "minute": 6}
